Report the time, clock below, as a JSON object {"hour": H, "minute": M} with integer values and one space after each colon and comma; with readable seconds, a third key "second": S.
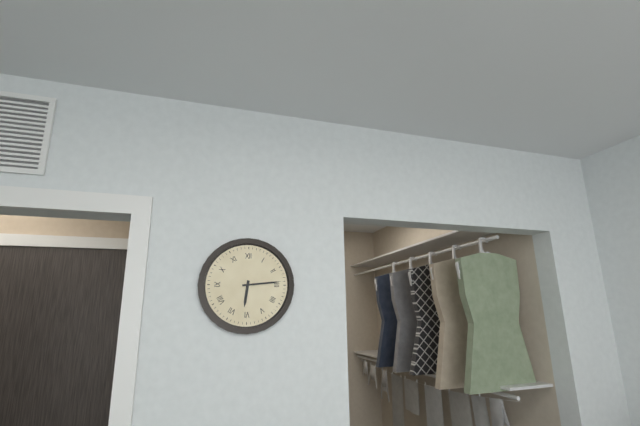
{"hour": 6, "minute": 14}
